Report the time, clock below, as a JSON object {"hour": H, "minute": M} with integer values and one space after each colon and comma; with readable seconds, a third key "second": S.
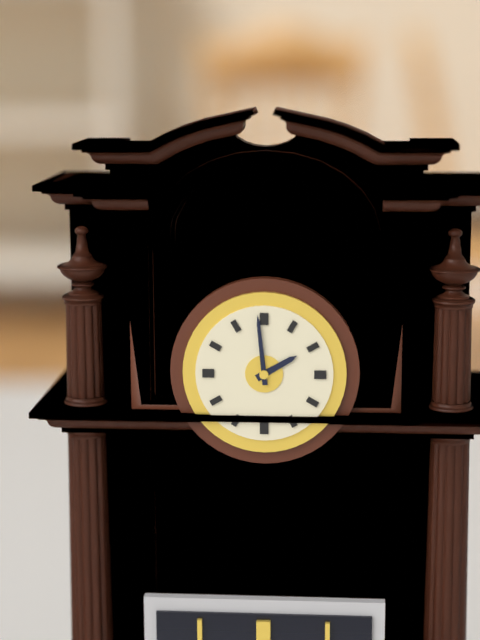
{"hour": 1, "minute": 59}
